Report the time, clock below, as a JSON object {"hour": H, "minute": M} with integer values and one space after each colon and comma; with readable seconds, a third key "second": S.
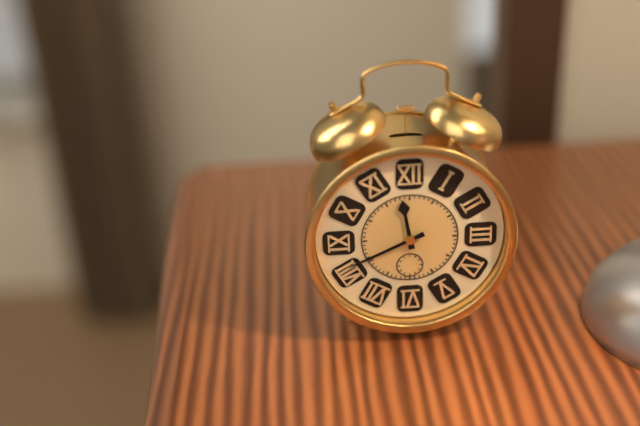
{"hour": 11, "minute": 41}
